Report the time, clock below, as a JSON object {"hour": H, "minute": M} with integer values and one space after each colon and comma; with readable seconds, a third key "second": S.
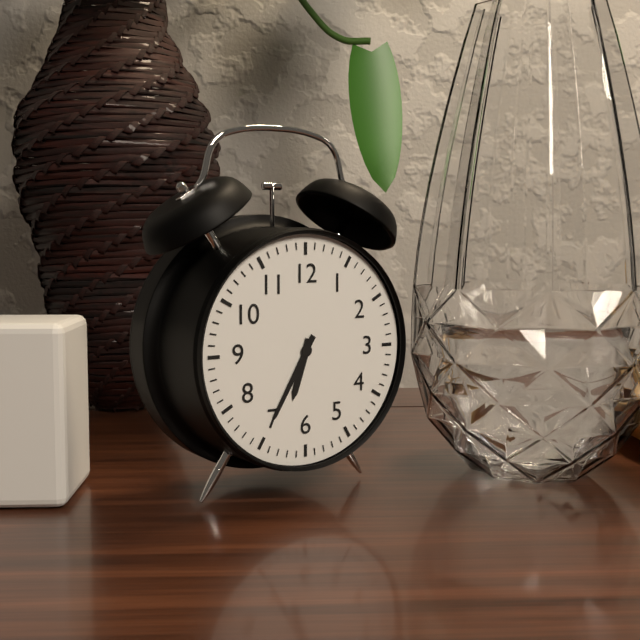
{"hour": 6, "minute": 35}
